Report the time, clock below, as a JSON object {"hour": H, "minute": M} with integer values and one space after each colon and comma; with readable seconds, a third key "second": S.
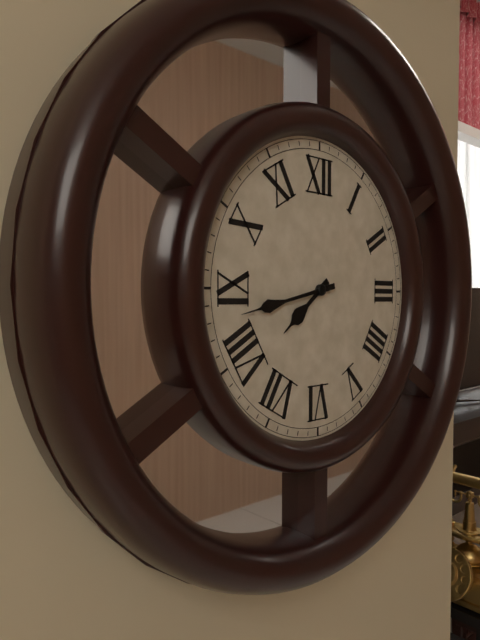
{"hour": 7, "minute": 43}
